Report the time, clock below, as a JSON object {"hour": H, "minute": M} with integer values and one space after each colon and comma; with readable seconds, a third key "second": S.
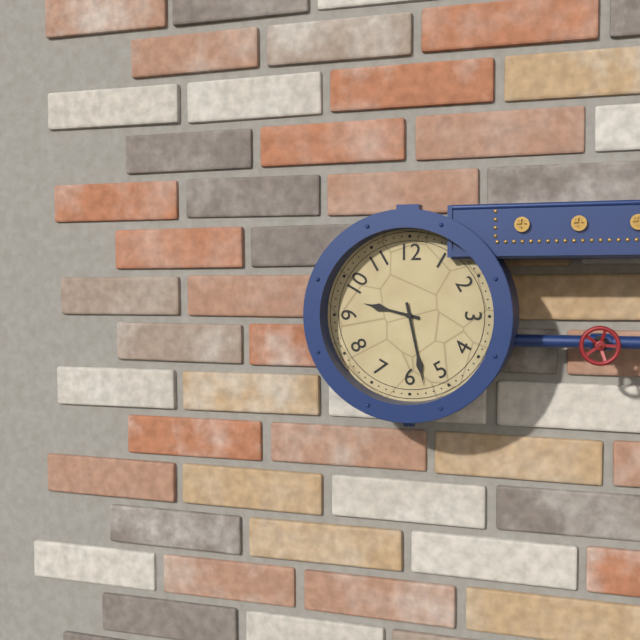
{"hour": 9, "minute": 28}
